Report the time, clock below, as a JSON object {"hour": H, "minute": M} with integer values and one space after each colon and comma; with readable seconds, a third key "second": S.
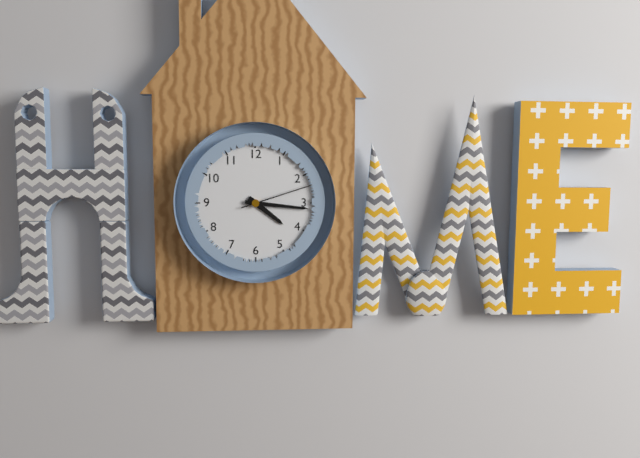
{"hour": 4, "minute": 16, "second": 12}
